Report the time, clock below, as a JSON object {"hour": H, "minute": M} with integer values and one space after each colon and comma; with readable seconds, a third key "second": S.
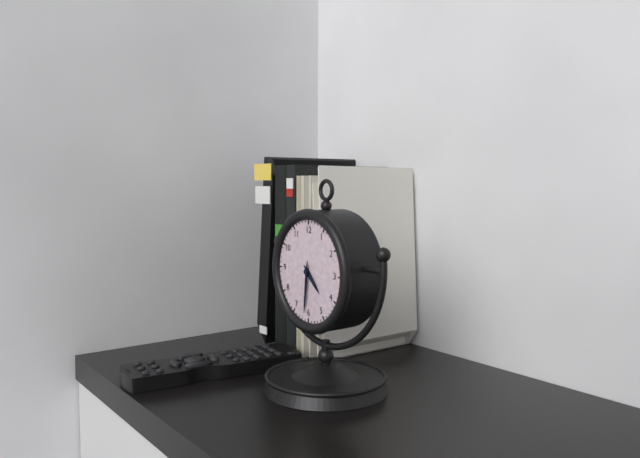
{"hour": 4, "minute": 31}
